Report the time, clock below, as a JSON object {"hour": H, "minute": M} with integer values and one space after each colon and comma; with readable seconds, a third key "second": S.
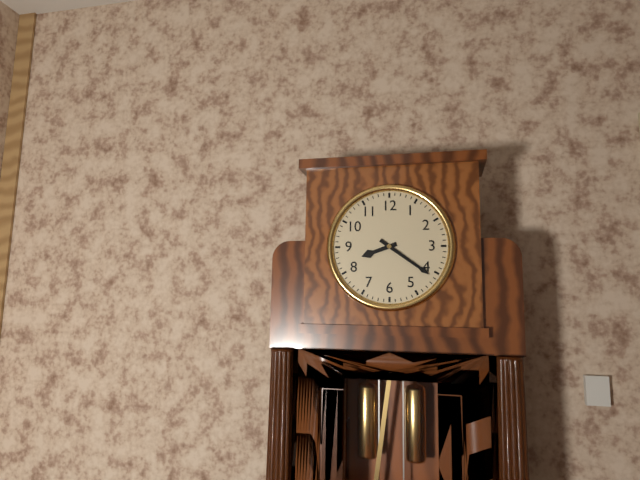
{"hour": 8, "minute": 21}
